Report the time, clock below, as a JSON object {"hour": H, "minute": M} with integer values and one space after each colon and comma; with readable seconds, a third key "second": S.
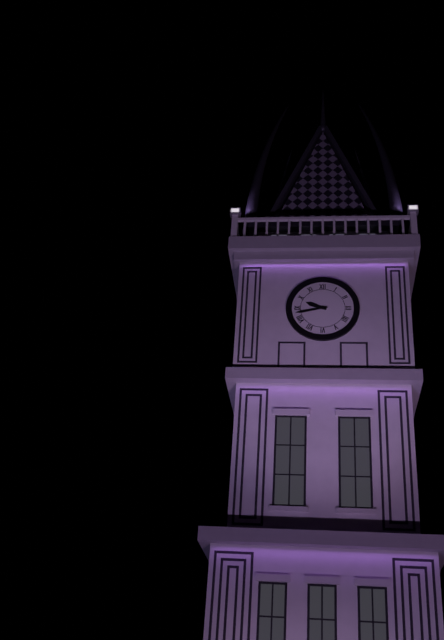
{"hour": 9, "minute": 43}
